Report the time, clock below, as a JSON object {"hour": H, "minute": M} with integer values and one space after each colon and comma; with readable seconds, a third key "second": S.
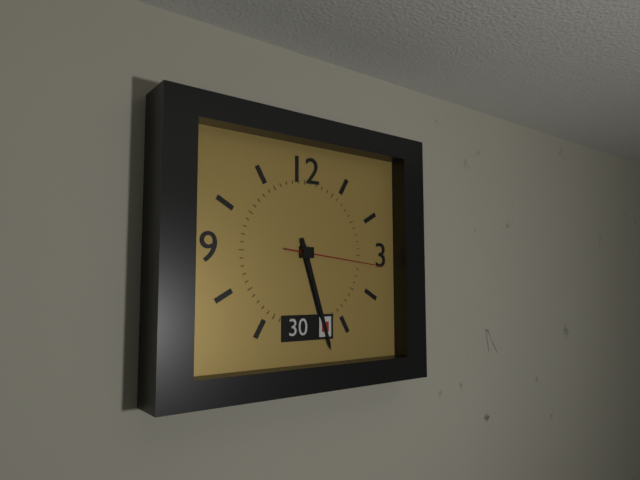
{"hour": 5, "minute": 27, "second": 16}
